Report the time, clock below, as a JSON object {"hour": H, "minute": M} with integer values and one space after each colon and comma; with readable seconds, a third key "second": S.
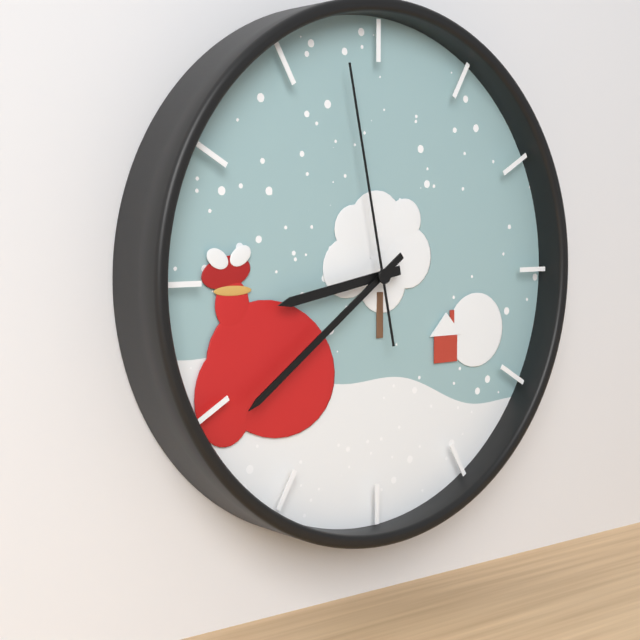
{"hour": 8, "minute": 39, "second": 58}
